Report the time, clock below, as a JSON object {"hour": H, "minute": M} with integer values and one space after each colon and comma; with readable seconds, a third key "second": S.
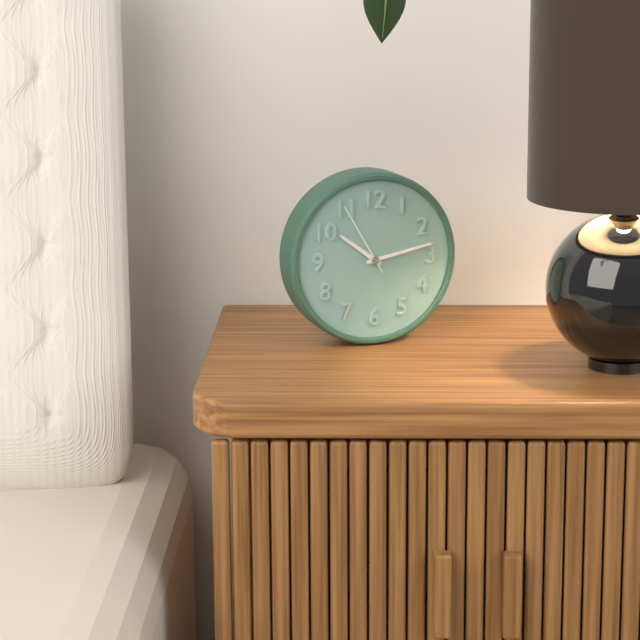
{"hour": 10, "minute": 13, "second": 55}
